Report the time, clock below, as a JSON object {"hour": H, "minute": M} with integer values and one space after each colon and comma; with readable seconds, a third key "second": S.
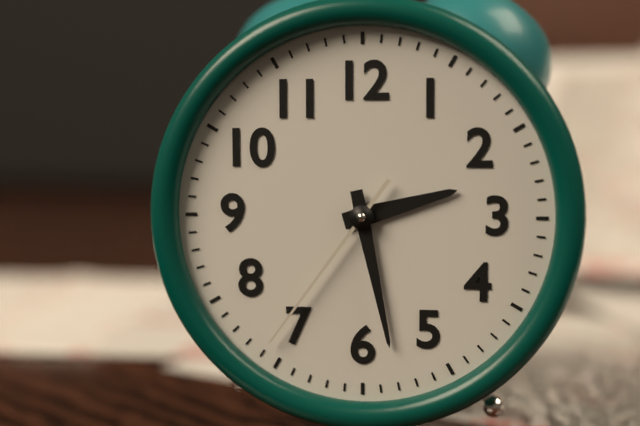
{"hour": 2, "minute": 28, "second": 36}
